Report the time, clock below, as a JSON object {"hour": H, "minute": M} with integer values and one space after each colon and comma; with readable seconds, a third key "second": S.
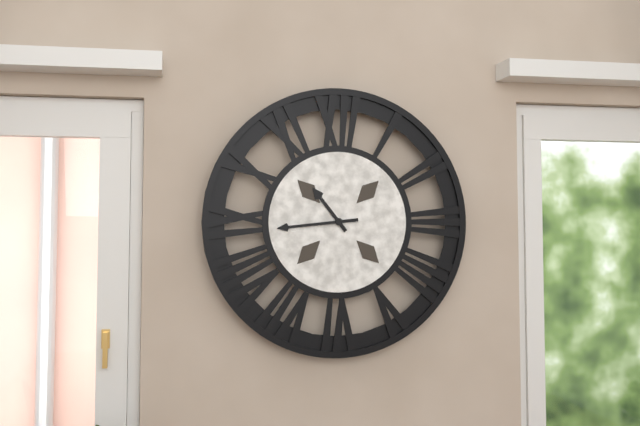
{"hour": 10, "minute": 44}
